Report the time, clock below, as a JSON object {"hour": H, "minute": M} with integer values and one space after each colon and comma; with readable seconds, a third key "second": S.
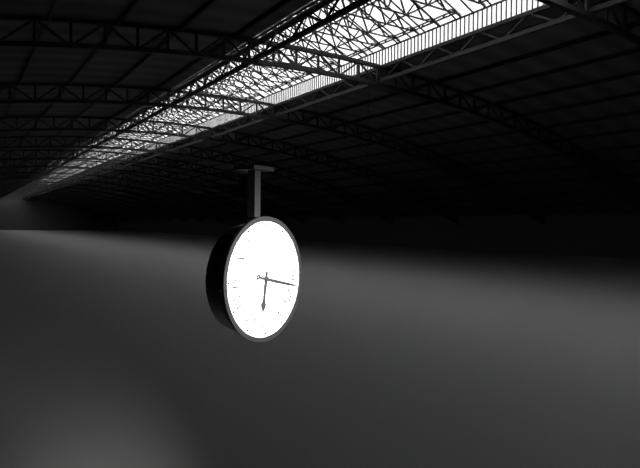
{"hour": 6, "minute": 17}
